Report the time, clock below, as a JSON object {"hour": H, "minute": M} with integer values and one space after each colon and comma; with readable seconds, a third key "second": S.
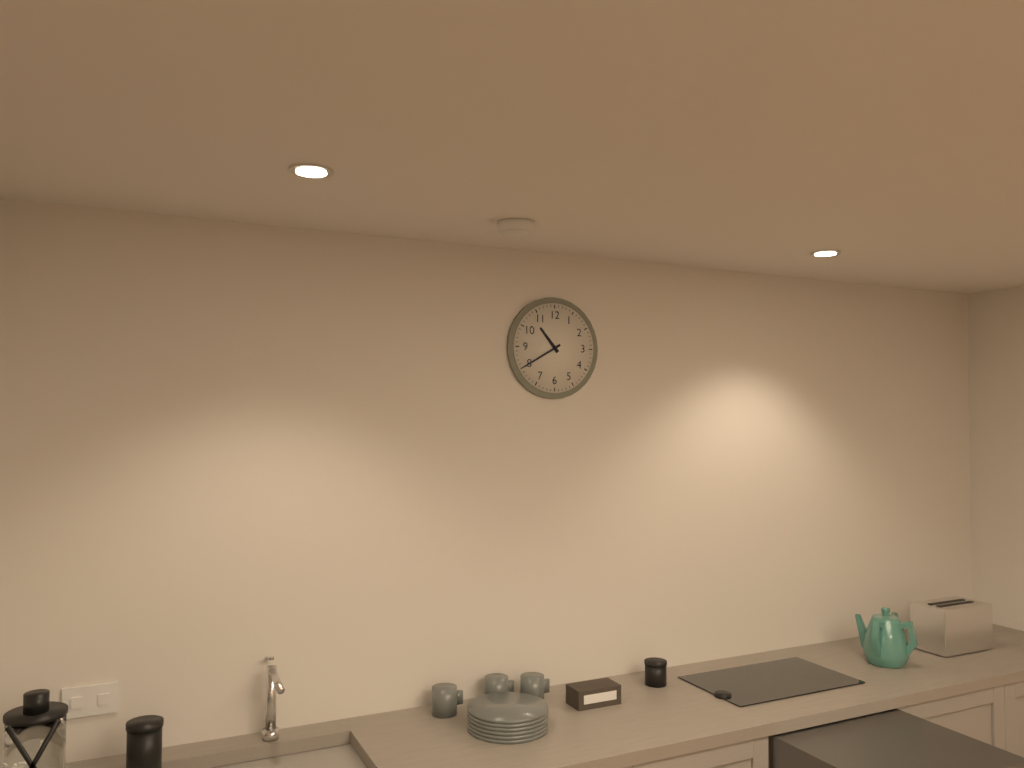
{"hour": 10, "minute": 40}
